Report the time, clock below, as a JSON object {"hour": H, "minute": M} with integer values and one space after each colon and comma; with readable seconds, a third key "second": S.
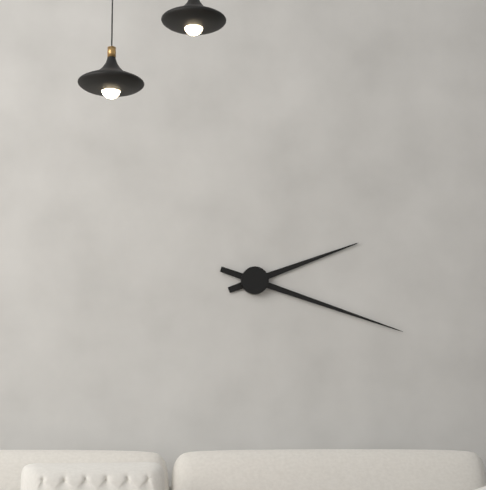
{"hour": 2, "minute": 18}
